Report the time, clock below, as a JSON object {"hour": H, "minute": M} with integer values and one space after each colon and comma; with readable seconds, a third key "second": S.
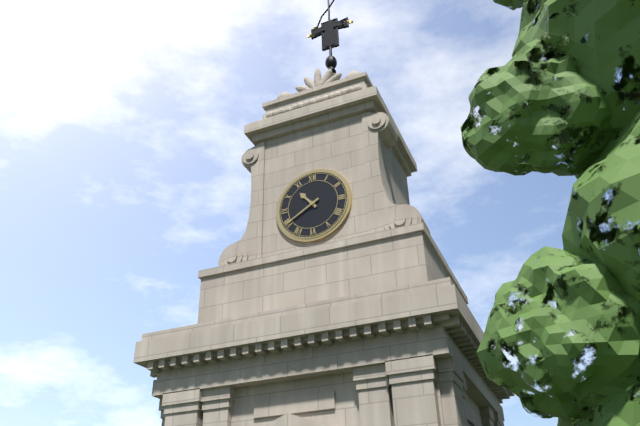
{"hour": 10, "minute": 40}
